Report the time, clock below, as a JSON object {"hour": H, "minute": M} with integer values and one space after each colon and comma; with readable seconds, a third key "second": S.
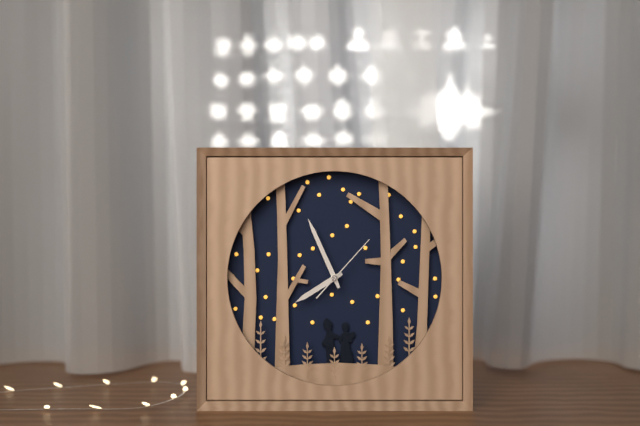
{"hour": 7, "minute": 56, "second": 7}
